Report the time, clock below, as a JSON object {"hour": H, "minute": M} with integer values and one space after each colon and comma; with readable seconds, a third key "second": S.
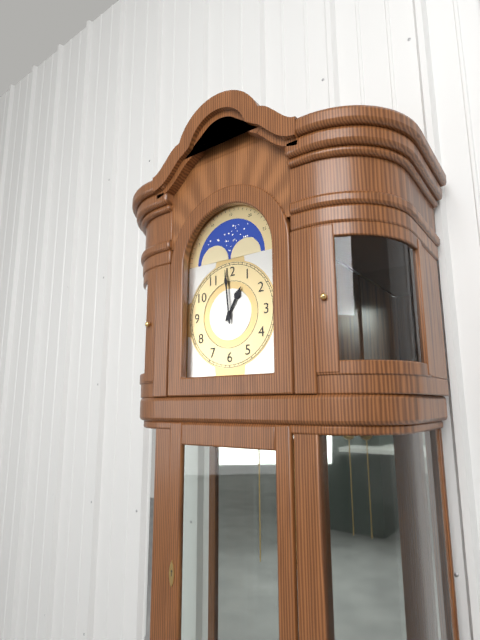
{"hour": 12, "minute": 59}
